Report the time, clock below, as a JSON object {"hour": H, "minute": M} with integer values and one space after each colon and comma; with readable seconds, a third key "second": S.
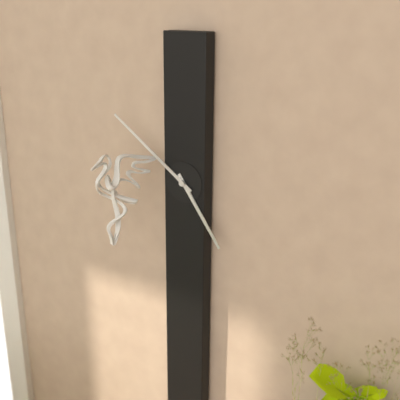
{"hour": 4, "minute": 51}
